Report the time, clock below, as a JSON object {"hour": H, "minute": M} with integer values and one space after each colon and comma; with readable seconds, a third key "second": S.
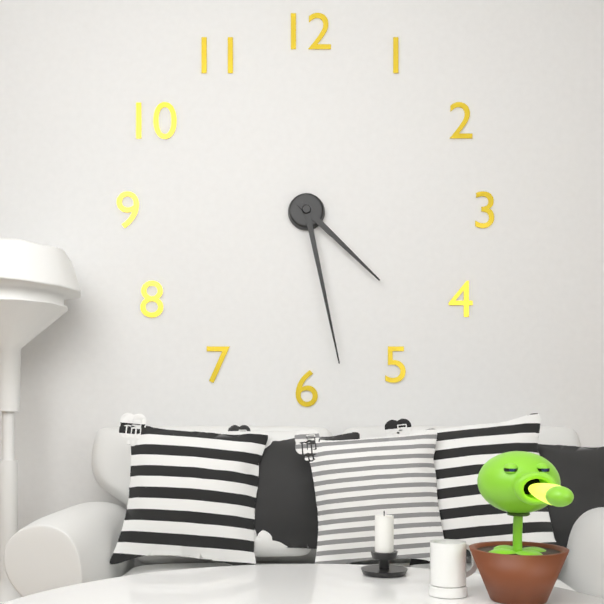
{"hour": 4, "minute": 28}
